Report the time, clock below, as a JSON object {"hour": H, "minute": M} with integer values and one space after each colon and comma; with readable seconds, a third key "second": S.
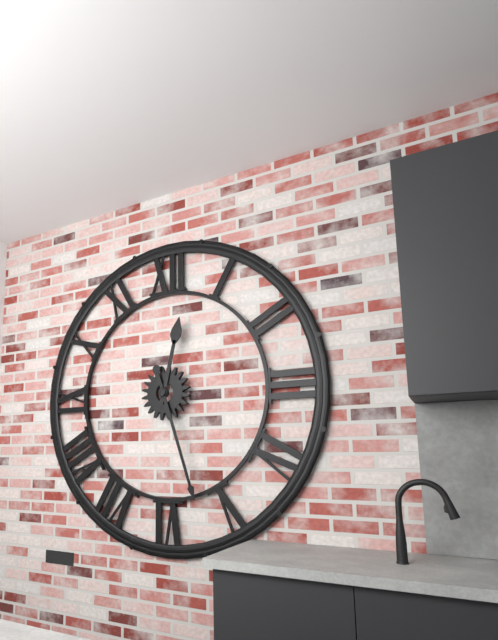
{"hour": 12, "minute": 27}
